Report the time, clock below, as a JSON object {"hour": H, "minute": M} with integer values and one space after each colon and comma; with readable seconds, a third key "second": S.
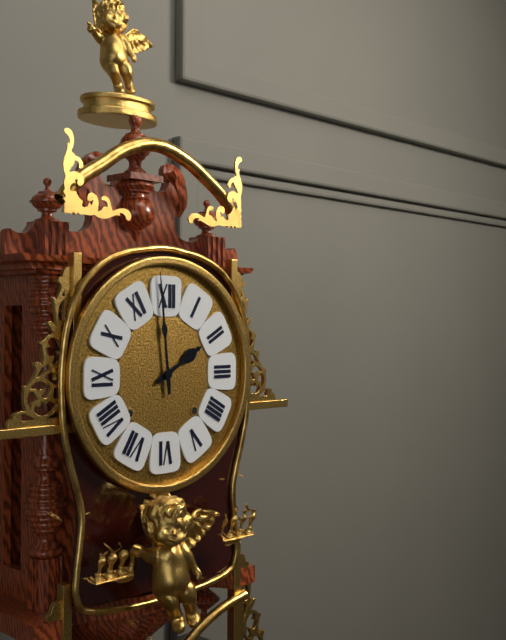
{"hour": 1, "minute": 59}
